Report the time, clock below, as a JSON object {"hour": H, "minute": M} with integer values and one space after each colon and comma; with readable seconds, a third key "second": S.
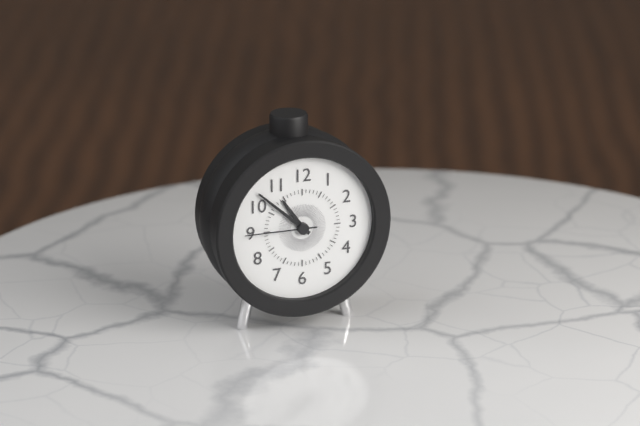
{"hour": 10, "minute": 52, "second": 45}
